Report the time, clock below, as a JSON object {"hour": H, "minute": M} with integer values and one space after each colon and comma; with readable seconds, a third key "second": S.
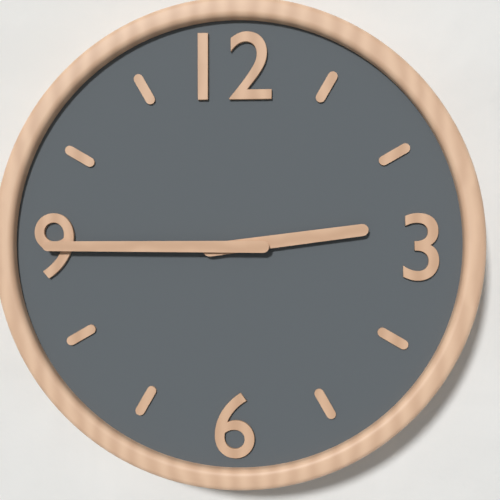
{"hour": 2, "minute": 45}
